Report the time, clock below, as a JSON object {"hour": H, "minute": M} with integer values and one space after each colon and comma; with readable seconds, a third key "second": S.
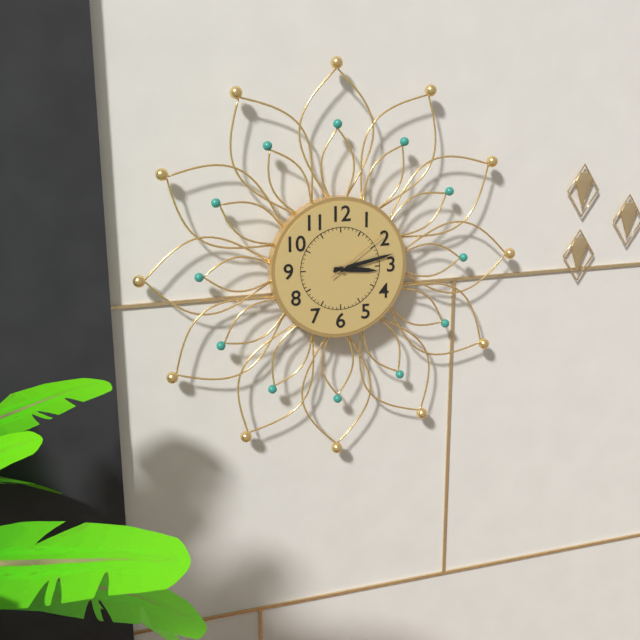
{"hour": 3, "minute": 13, "second": 9}
